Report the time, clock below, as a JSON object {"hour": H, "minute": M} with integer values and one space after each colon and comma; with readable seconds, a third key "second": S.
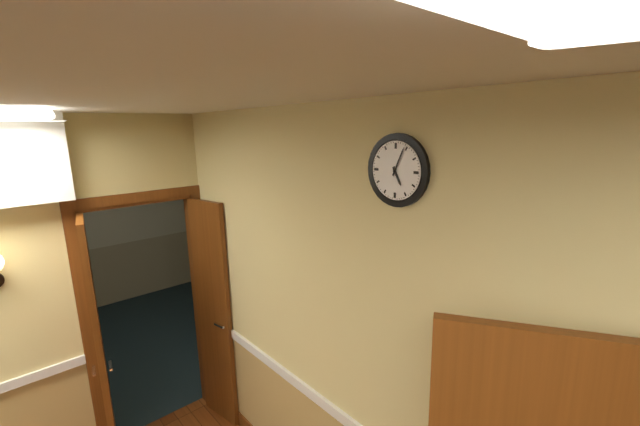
{"hour": 5, "minute": 4}
